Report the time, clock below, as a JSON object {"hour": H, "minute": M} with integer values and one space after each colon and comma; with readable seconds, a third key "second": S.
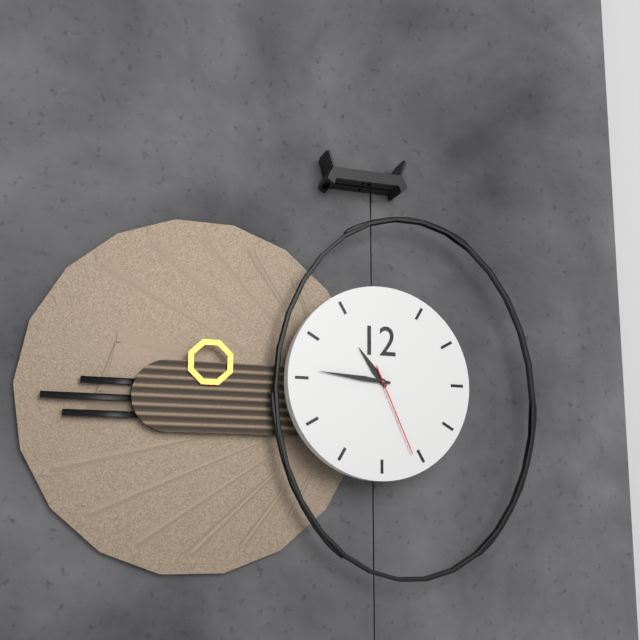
{"hour": 10, "minute": 46, "second": 26}
